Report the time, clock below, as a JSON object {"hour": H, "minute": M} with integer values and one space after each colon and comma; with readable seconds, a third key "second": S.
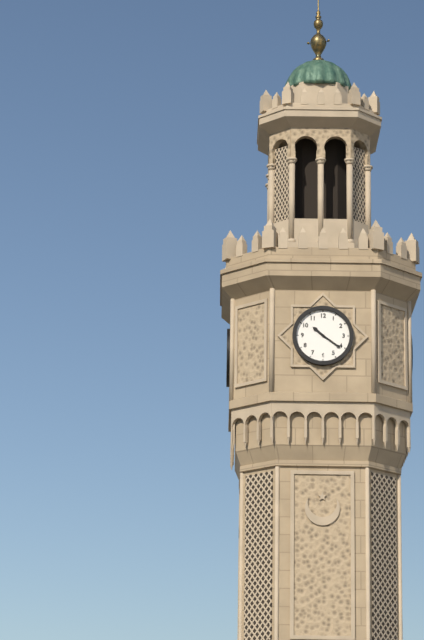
{"hour": 10, "minute": 21}
